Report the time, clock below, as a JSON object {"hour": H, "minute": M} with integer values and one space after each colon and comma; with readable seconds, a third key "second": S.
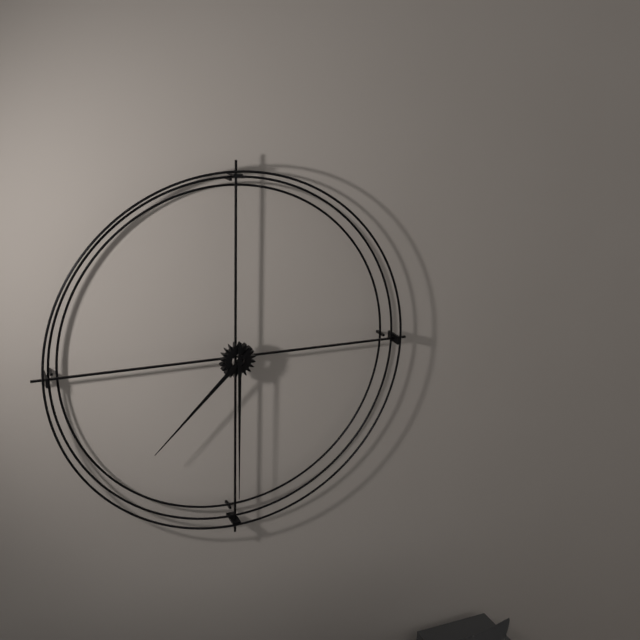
{"hour": 7, "minute": 30}
